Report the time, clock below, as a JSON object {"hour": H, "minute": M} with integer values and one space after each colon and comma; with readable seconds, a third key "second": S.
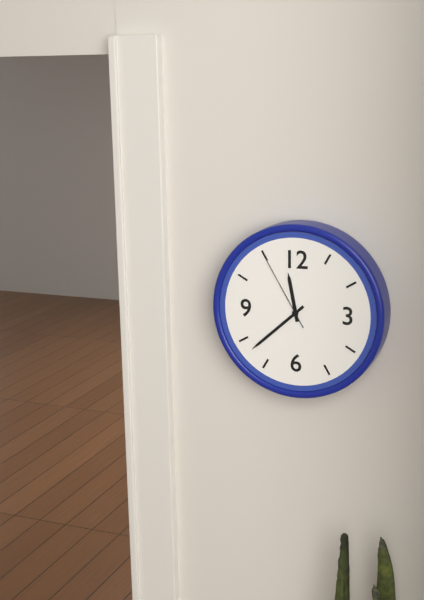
{"hour": 11, "minute": 38, "second": 55}
